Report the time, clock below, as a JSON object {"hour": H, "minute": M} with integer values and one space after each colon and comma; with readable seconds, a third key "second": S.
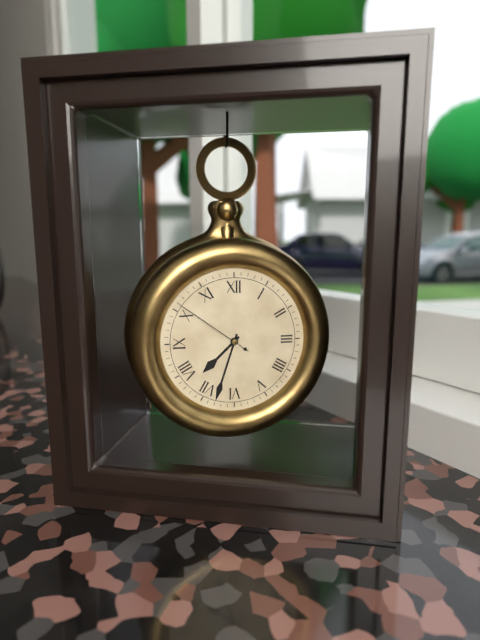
{"hour": 7, "minute": 33, "second": 51}
